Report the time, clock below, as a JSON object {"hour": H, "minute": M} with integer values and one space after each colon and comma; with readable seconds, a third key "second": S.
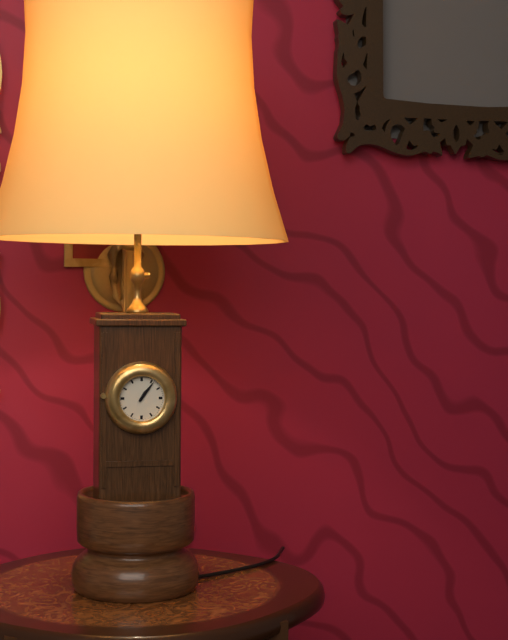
{"hour": 1, "minute": 6}
